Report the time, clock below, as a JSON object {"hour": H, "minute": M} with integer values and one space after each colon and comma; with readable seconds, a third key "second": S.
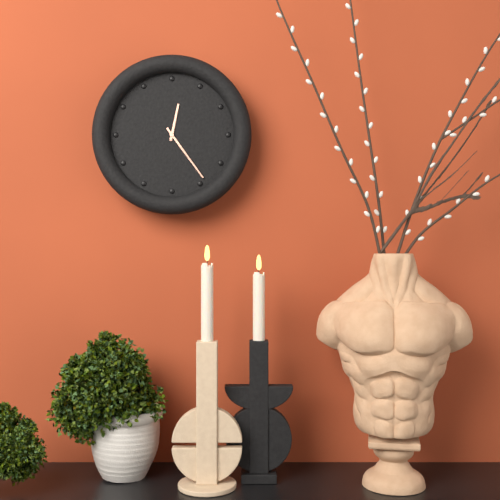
{"hour": 12, "minute": 24}
